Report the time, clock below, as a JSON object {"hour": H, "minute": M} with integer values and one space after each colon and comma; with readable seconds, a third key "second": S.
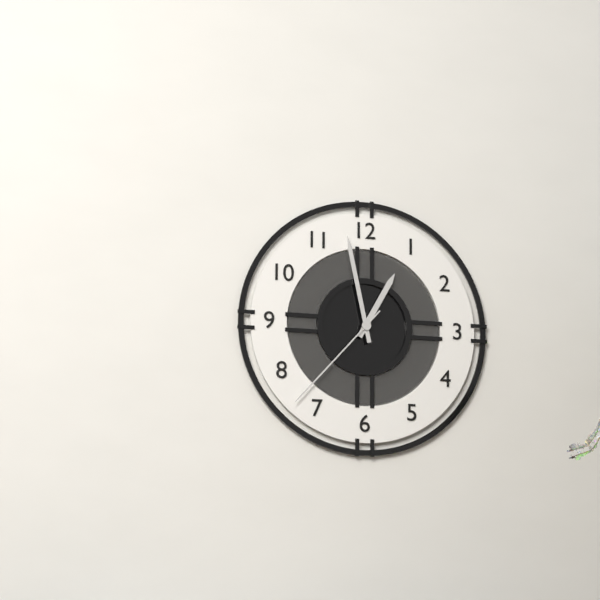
{"hour": 12, "minute": 58, "second": 37}
